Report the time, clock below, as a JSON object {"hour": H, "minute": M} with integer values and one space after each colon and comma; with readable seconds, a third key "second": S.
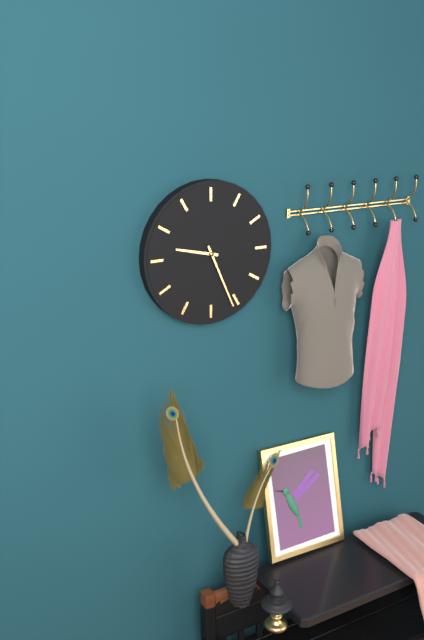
{"hour": 9, "minute": 26}
